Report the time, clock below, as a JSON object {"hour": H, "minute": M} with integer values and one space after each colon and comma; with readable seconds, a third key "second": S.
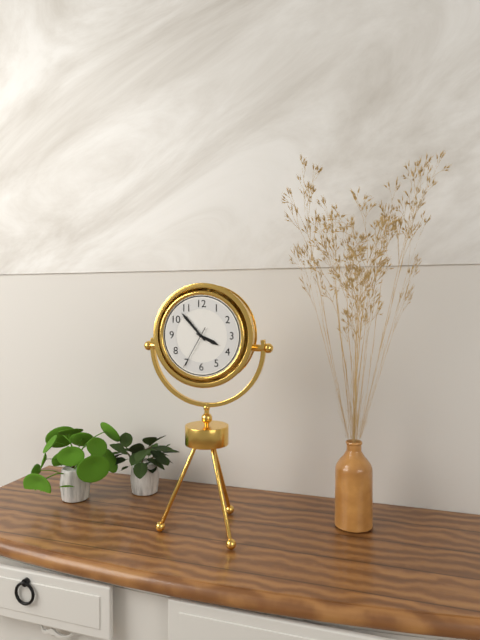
{"hour": 3, "minute": 53}
